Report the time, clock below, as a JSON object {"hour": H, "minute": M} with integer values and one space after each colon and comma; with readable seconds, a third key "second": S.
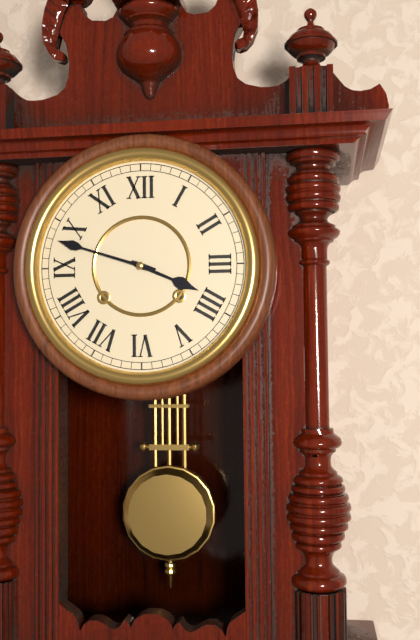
{"hour": 3, "minute": 48}
